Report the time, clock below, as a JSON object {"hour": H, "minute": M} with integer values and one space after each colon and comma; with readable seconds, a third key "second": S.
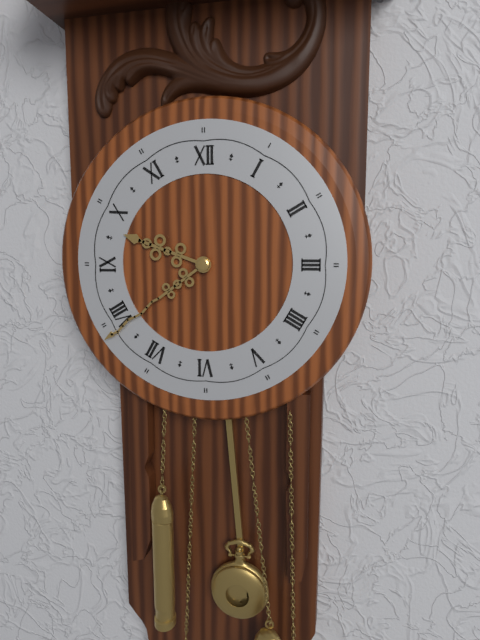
{"hour": 9, "minute": 39}
